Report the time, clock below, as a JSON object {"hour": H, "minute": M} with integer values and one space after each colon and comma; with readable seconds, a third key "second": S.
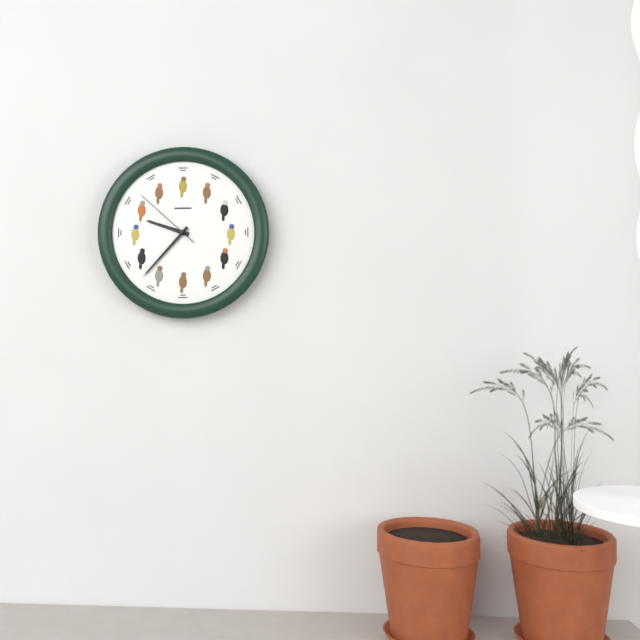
{"hour": 9, "minute": 37, "second": 52}
